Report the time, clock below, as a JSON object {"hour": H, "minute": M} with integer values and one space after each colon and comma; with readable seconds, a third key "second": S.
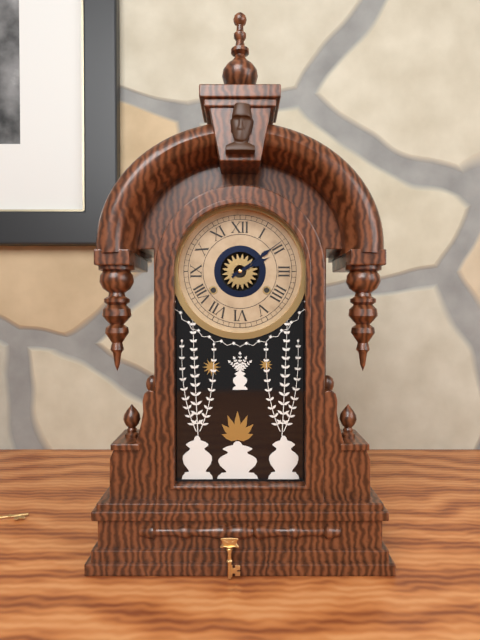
{"hour": 2, "minute": 9}
